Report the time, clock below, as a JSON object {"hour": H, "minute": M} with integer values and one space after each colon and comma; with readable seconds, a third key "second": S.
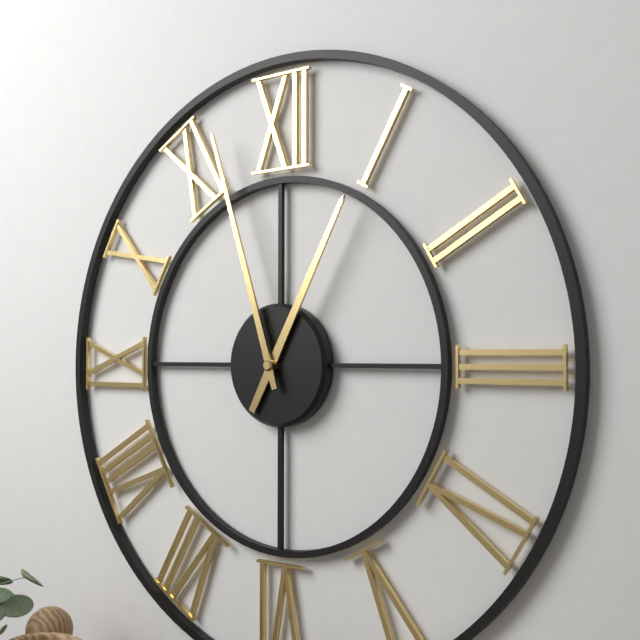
{"hour": 12, "minute": 57}
